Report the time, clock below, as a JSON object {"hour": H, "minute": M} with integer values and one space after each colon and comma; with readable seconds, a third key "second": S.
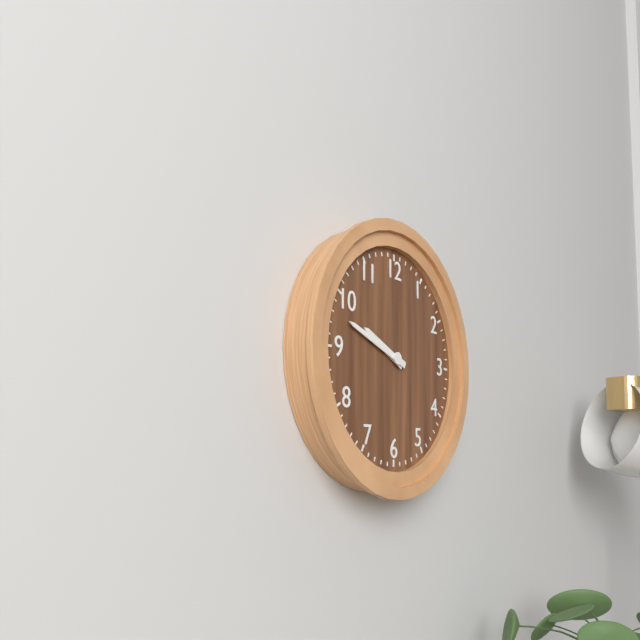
{"hour": 9, "minute": 48}
